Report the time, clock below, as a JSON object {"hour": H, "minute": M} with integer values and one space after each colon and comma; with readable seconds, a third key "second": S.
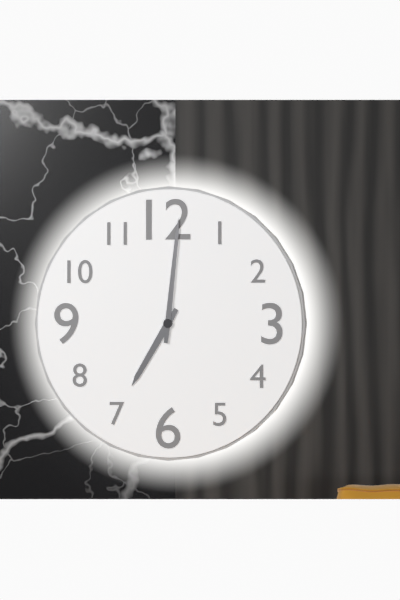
{"hour": 7, "minute": 1}
